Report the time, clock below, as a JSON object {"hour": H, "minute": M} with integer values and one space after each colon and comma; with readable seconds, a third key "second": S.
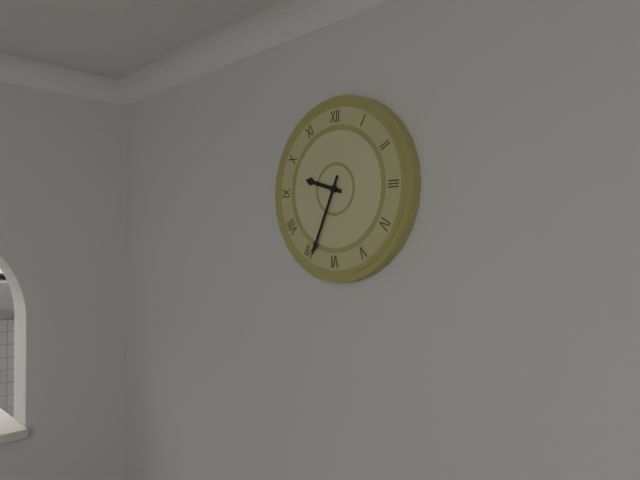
{"hour": 9, "minute": 34}
